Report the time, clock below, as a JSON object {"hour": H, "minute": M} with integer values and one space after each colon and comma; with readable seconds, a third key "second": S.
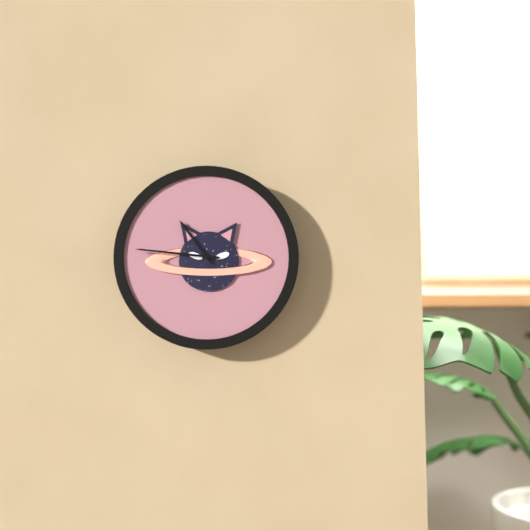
{"hour": 10, "minute": 46}
